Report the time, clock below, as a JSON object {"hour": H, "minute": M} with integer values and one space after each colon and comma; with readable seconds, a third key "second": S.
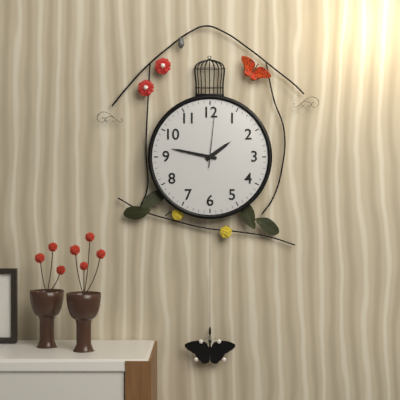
{"hour": 1, "minute": 47, "second": 1}
